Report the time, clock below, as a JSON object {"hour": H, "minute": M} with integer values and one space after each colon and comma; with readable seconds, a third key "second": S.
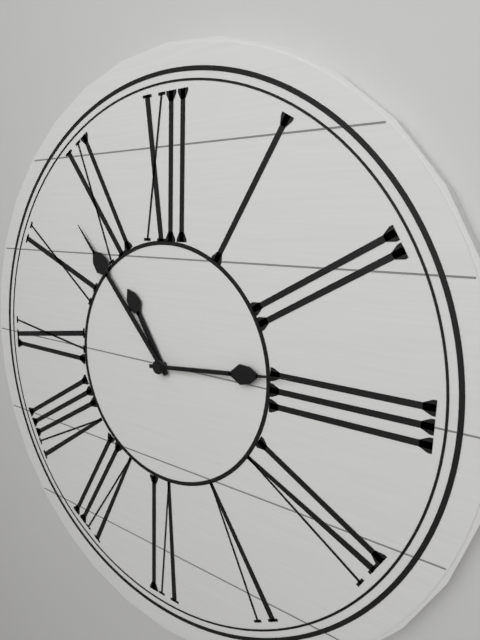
{"hour": 10, "minute": 53, "second": 14}
